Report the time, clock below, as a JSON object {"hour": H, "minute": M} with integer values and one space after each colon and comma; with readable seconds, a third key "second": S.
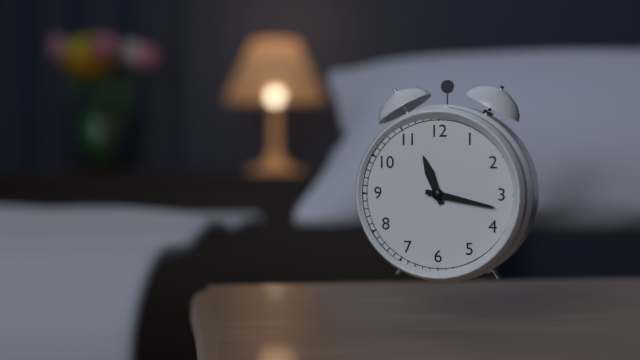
{"hour": 11, "minute": 17}
